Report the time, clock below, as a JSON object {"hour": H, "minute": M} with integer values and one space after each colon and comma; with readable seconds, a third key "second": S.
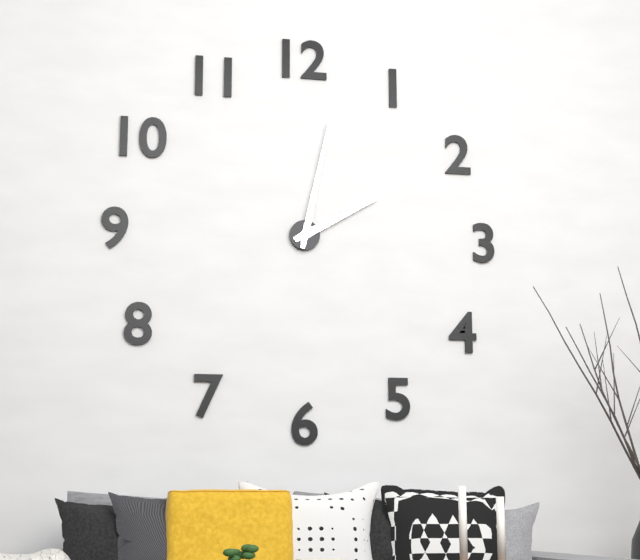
{"hour": 2, "minute": 2}
